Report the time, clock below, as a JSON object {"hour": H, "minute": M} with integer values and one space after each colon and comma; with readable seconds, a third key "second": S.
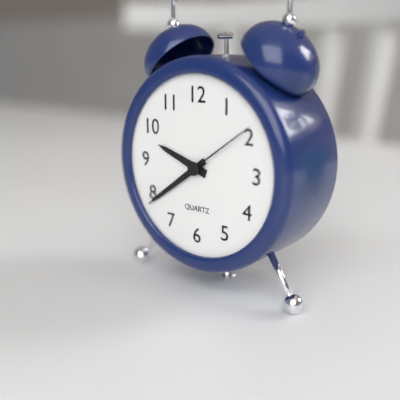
{"hour": 9, "minute": 39, "second": 9}
